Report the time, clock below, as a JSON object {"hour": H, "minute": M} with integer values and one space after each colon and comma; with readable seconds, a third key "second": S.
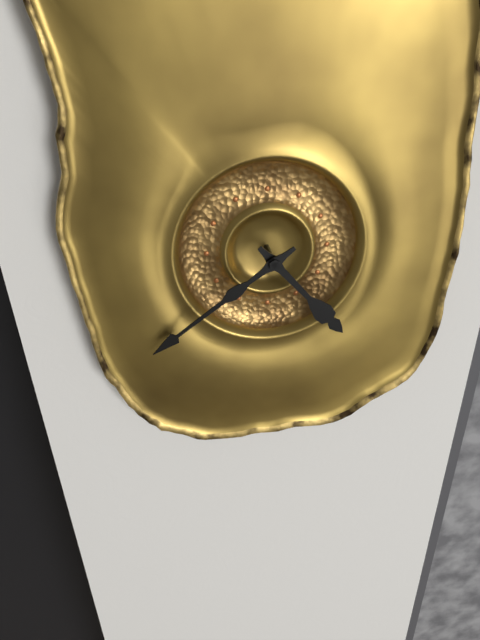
{"hour": 4, "minute": 39}
